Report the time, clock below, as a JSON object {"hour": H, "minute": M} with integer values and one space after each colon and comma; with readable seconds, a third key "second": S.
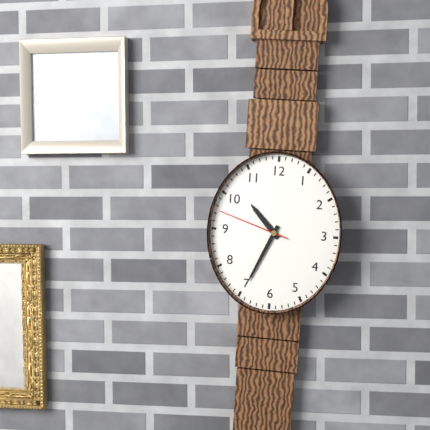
{"hour": 10, "minute": 34, "second": 48}
